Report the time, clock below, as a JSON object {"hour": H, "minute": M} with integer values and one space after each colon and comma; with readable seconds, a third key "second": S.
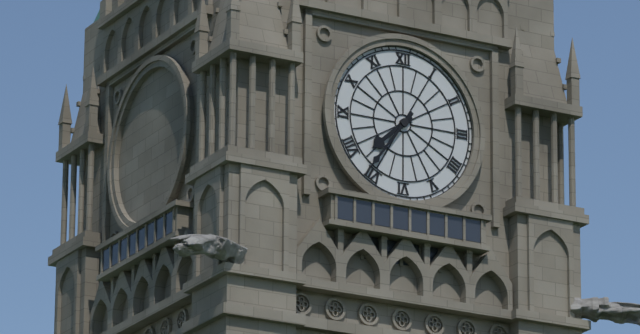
{"hour": 7, "minute": 36}
